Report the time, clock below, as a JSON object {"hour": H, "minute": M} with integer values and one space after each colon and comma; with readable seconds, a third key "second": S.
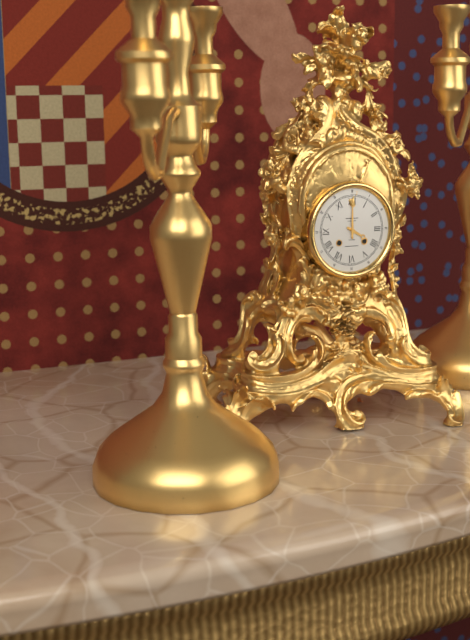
{"hour": 4, "minute": 0}
